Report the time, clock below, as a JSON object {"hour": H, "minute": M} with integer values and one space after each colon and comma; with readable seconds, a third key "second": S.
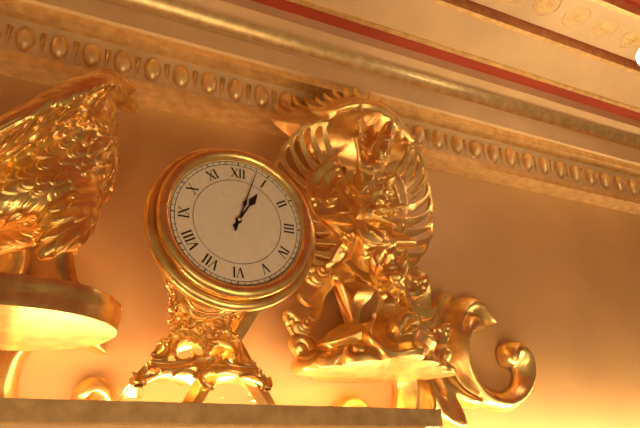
{"hour": 1, "minute": 3}
